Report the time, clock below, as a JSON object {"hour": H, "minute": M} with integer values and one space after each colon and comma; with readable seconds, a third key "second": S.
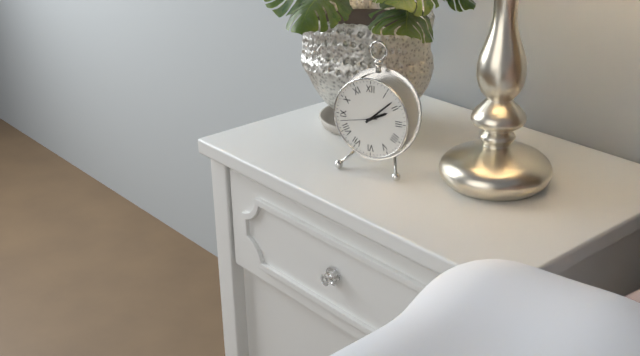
{"hour": 2, "minute": 8}
